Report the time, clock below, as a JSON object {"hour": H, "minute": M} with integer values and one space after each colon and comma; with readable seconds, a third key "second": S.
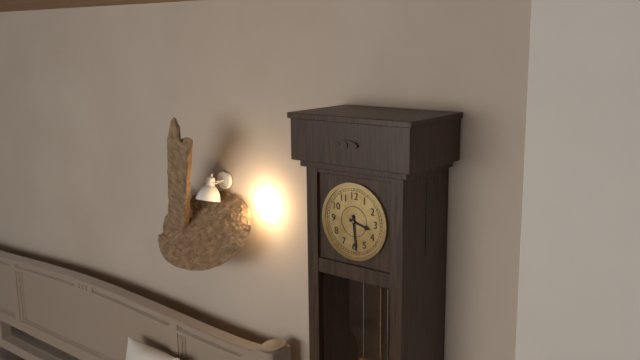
{"hour": 3, "minute": 29}
